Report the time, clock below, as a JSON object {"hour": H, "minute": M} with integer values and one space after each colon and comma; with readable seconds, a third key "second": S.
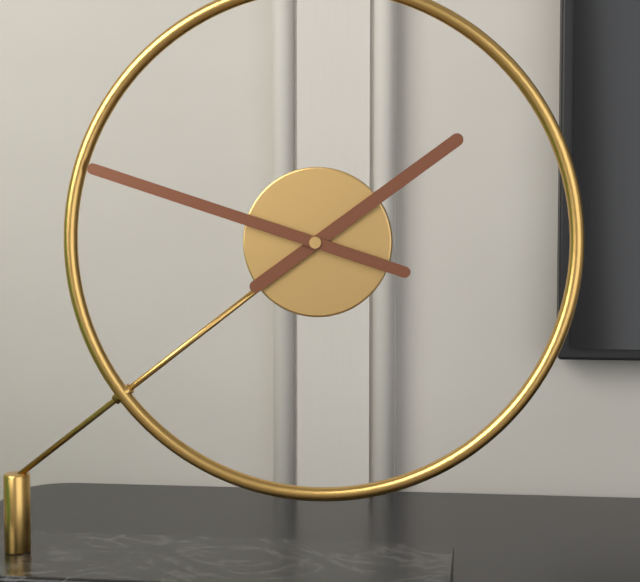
{"hour": 1, "minute": 48}
